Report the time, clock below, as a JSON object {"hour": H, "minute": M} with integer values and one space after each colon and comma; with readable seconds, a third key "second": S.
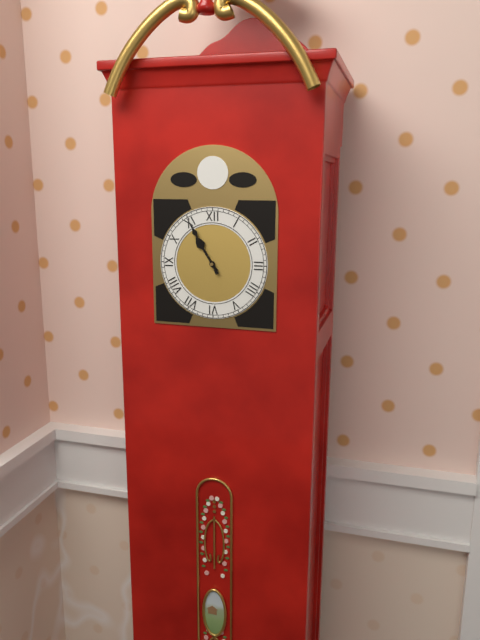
{"hour": 10, "minute": 55}
